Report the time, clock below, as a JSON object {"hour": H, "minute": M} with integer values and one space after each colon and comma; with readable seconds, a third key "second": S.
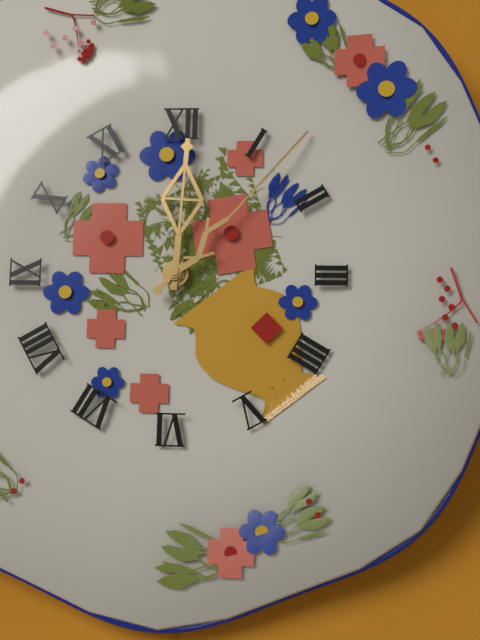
{"hour": 12, "minute": 7}
